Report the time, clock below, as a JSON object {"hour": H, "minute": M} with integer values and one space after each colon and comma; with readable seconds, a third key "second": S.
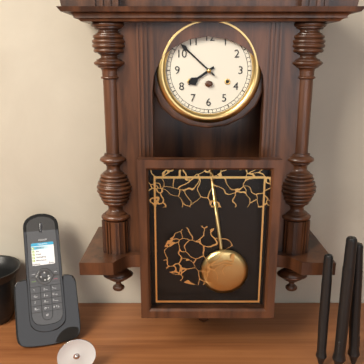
{"hour": 7, "minute": 52}
